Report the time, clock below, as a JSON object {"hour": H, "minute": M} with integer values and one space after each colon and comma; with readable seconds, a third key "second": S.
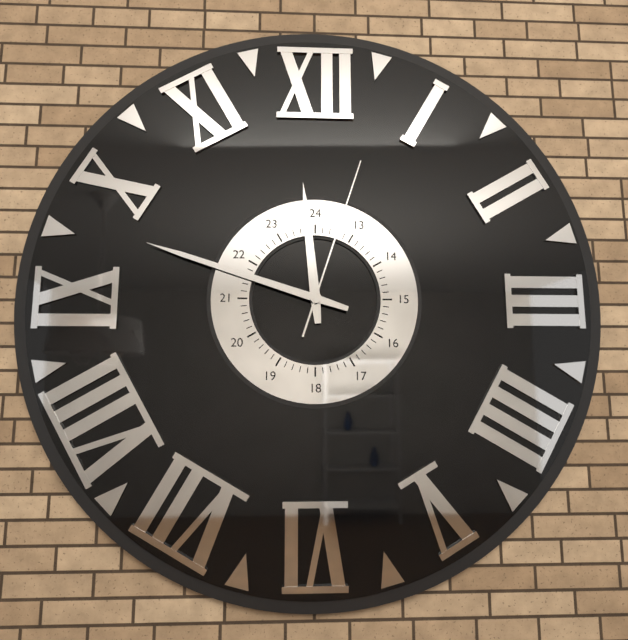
{"hour": 11, "minute": 48, "second": 3}
